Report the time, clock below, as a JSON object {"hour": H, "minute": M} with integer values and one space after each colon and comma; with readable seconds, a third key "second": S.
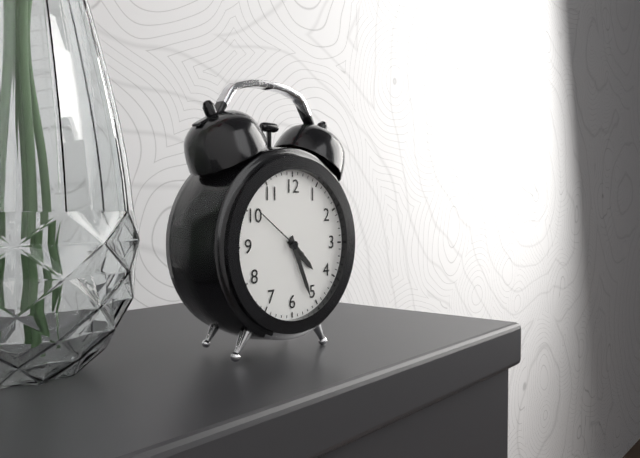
{"hour": 4, "minute": 26, "second": 51}
